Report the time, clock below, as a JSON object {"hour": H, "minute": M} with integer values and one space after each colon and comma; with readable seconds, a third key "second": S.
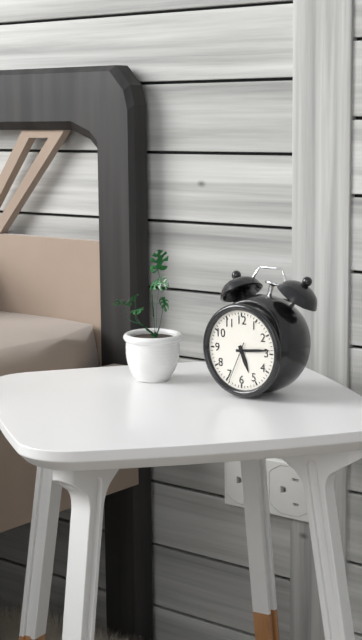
{"hour": 5, "minute": 14}
